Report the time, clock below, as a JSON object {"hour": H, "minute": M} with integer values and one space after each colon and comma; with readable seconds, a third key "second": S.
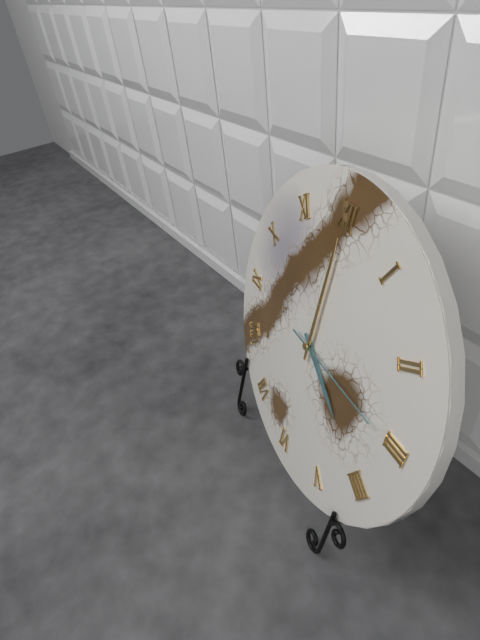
{"hour": 4, "minute": 0, "second": 15}
